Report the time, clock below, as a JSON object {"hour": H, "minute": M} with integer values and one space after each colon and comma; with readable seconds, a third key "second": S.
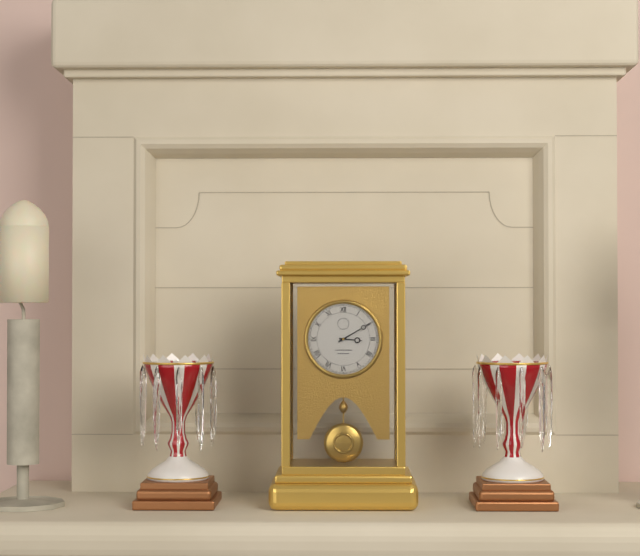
{"hour": 3, "minute": 10}
